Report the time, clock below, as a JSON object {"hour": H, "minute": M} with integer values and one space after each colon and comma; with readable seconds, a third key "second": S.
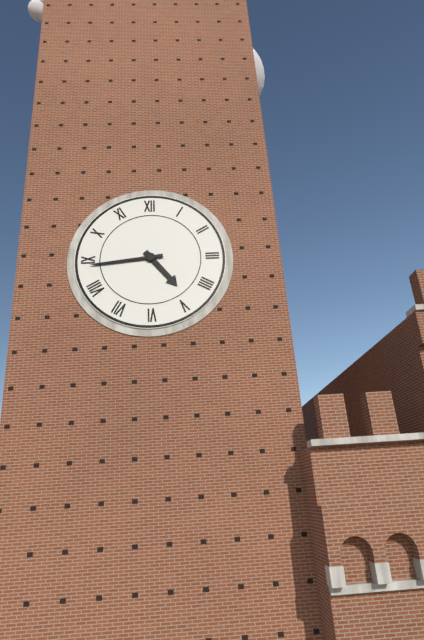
{"hour": 4, "minute": 44}
